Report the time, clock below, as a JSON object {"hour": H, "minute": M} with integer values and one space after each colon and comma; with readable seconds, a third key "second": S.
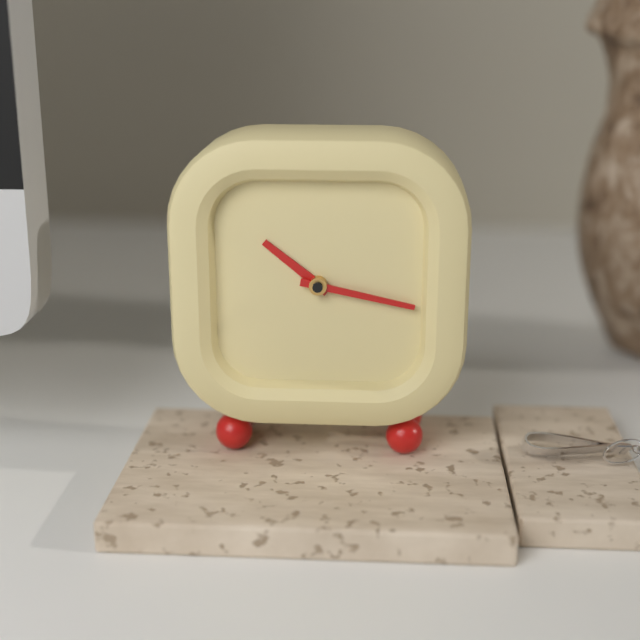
{"hour": 10, "minute": 17}
